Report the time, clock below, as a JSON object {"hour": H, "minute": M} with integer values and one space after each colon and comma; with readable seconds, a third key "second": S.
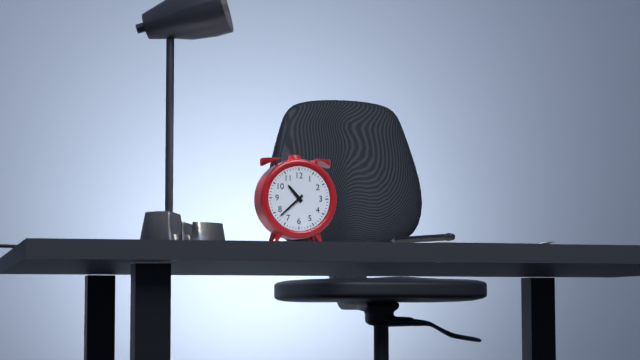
{"hour": 10, "minute": 38}
